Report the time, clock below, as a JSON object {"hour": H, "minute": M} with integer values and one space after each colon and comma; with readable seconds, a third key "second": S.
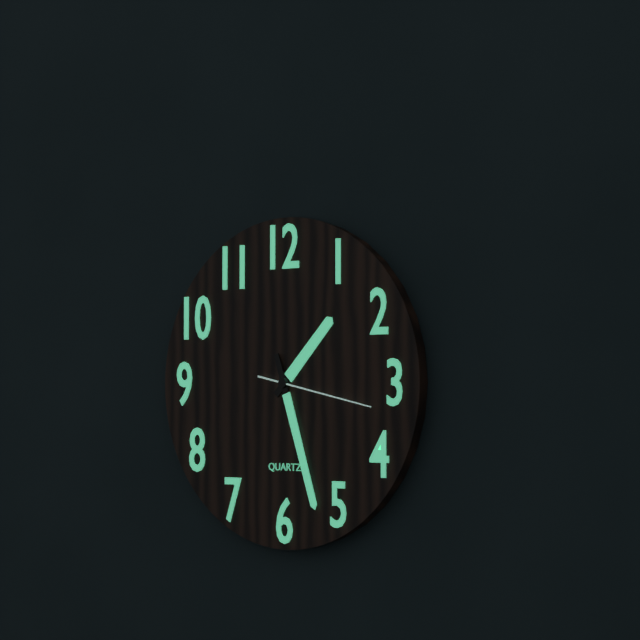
{"hour": 1, "minute": 27, "second": 17}
